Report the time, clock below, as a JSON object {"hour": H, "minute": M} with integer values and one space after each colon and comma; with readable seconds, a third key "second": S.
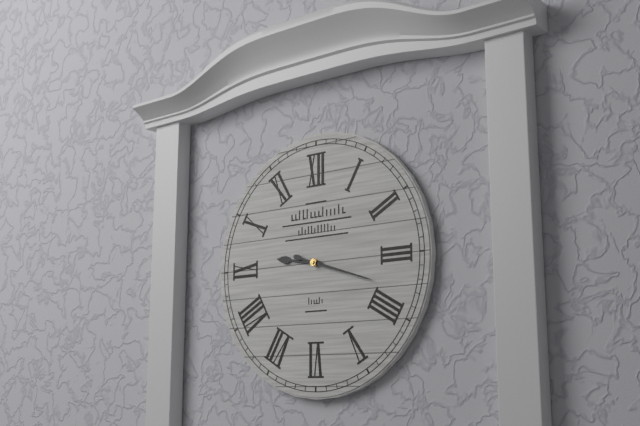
{"hour": 9, "minute": 18}
